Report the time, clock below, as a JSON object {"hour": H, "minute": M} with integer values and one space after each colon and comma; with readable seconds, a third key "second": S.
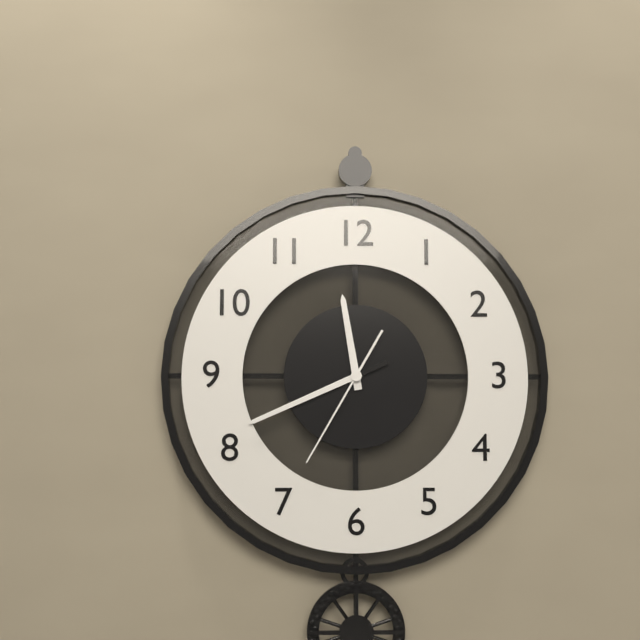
{"hour": 11, "minute": 41, "second": 35}
